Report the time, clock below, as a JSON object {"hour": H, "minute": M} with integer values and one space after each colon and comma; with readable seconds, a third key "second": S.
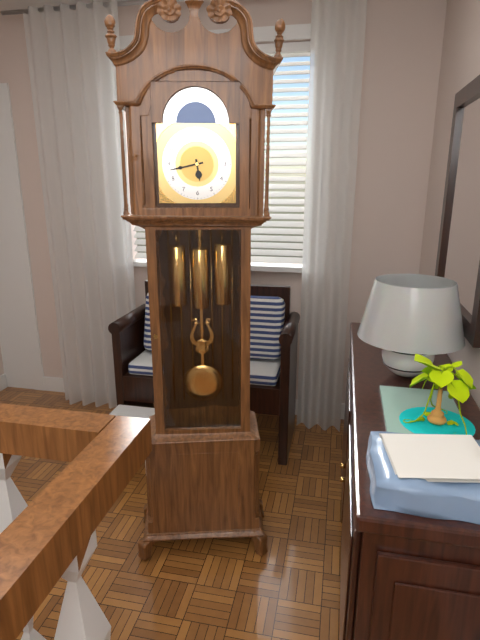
{"hour": 5, "minute": 43}
